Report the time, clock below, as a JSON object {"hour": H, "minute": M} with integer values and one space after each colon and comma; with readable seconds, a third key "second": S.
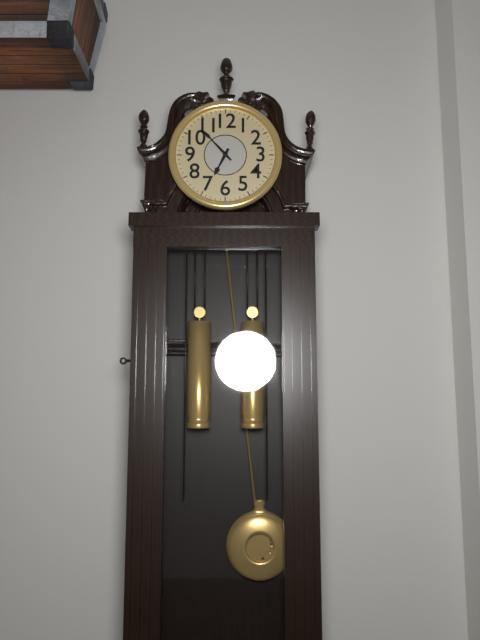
{"hour": 6, "minute": 53}
